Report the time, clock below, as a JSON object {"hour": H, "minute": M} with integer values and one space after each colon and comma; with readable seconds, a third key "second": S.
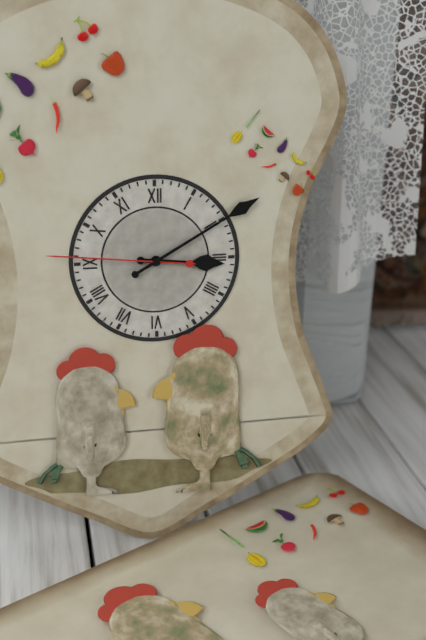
{"hour": 3, "minute": 10, "second": 46}
